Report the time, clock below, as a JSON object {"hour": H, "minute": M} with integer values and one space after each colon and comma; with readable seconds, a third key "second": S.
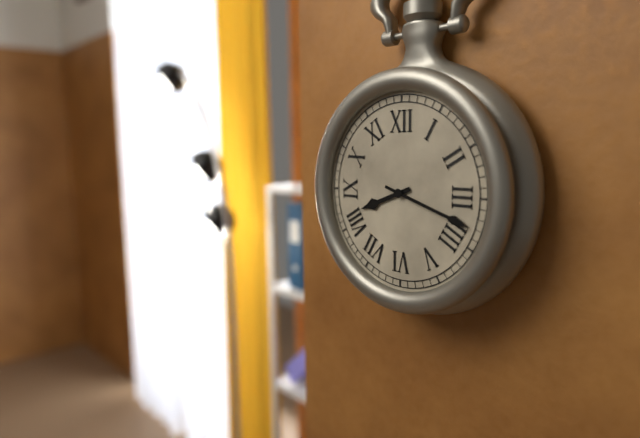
{"hour": 8, "minute": 18}
